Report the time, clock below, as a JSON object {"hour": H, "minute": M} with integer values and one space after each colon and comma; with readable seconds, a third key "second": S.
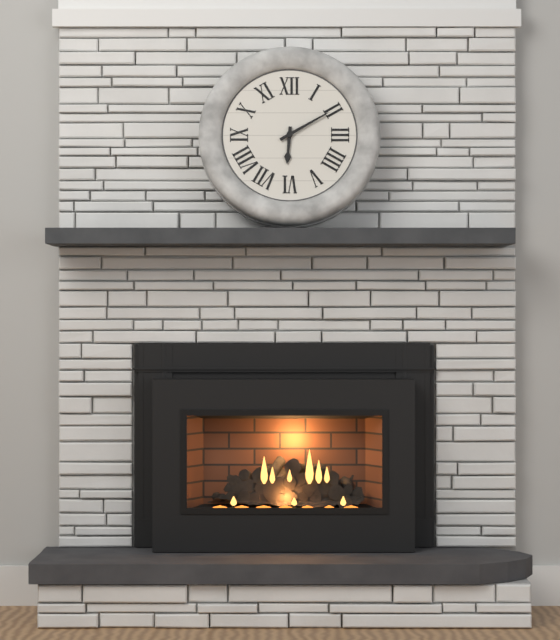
{"hour": 6, "minute": 10}
